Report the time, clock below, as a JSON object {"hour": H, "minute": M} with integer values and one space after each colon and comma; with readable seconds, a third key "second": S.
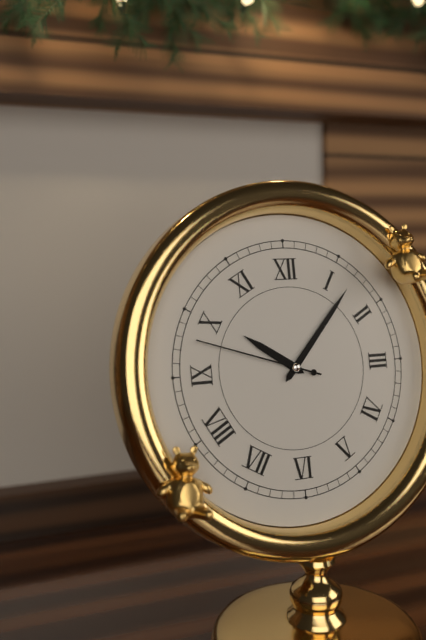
{"hour": 10, "minute": 7, "second": 48}
